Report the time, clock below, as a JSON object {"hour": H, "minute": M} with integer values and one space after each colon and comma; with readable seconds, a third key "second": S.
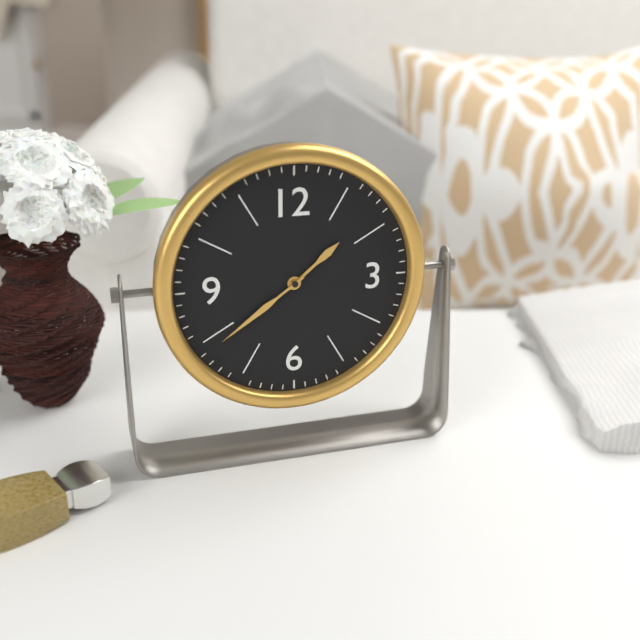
{"hour": 1, "minute": 39}
